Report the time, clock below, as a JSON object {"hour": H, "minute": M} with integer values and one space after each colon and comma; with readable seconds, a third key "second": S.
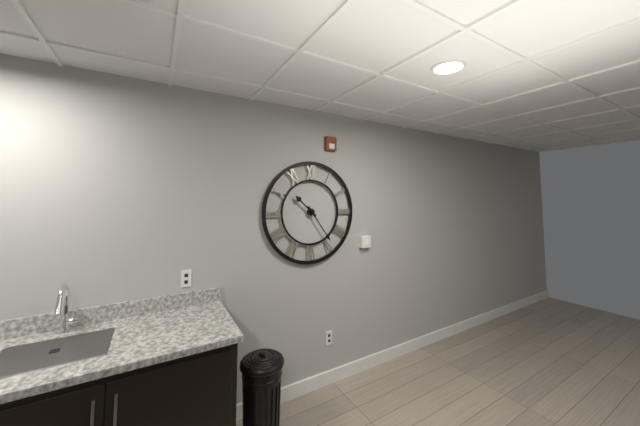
{"hour": 10, "minute": 24}
